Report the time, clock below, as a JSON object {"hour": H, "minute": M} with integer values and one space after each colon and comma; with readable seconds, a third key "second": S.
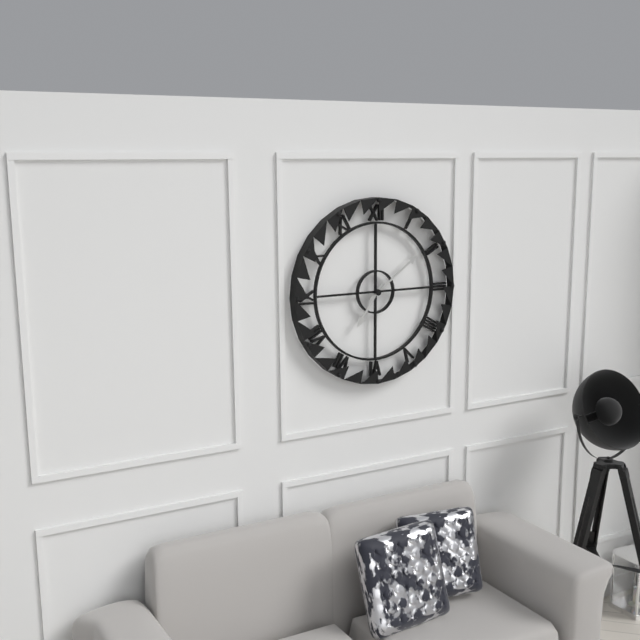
{"hour": 7, "minute": 9}
